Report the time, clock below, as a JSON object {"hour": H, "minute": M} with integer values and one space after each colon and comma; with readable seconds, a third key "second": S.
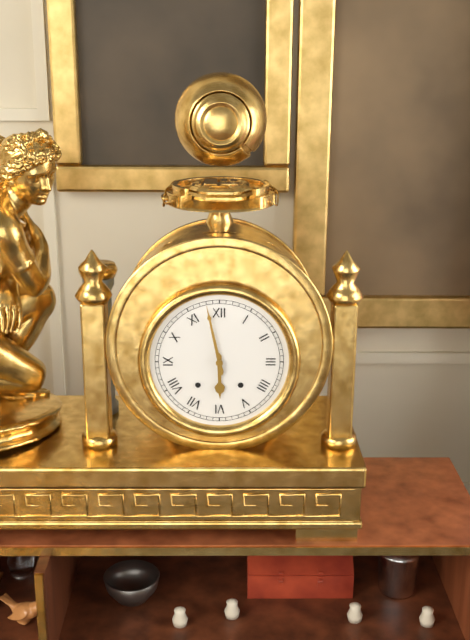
{"hour": 5, "minute": 58}
